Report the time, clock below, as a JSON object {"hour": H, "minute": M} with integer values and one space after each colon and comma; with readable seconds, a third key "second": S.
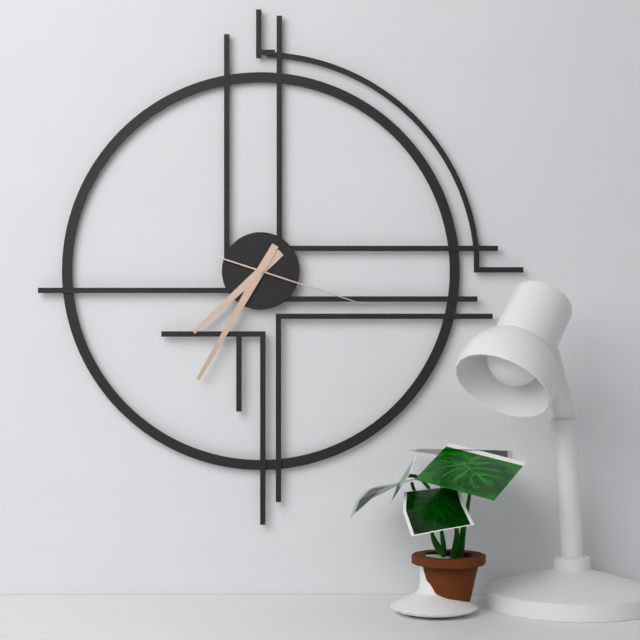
{"hour": 7, "minute": 35, "second": 18}
